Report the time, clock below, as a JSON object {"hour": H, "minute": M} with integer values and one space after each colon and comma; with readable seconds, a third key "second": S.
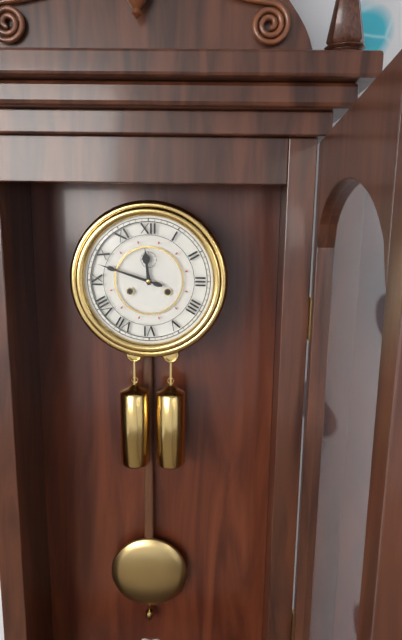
{"hour": 11, "minute": 48}
